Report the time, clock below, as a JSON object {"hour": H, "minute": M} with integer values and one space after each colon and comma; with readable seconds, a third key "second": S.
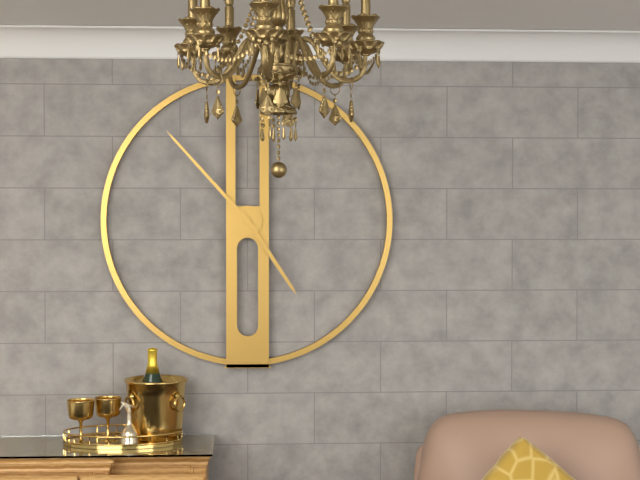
{"hour": 4, "minute": 53}
